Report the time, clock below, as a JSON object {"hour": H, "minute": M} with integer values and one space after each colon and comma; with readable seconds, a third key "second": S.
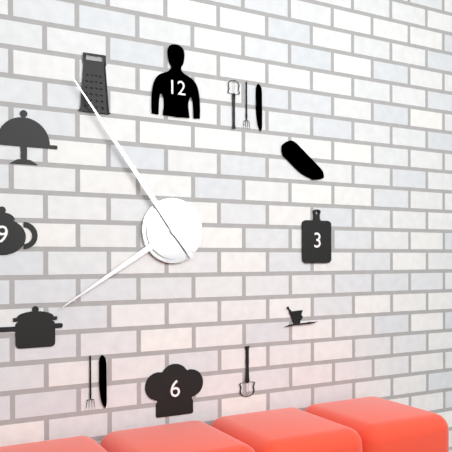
{"hour": 7, "minute": 54}
